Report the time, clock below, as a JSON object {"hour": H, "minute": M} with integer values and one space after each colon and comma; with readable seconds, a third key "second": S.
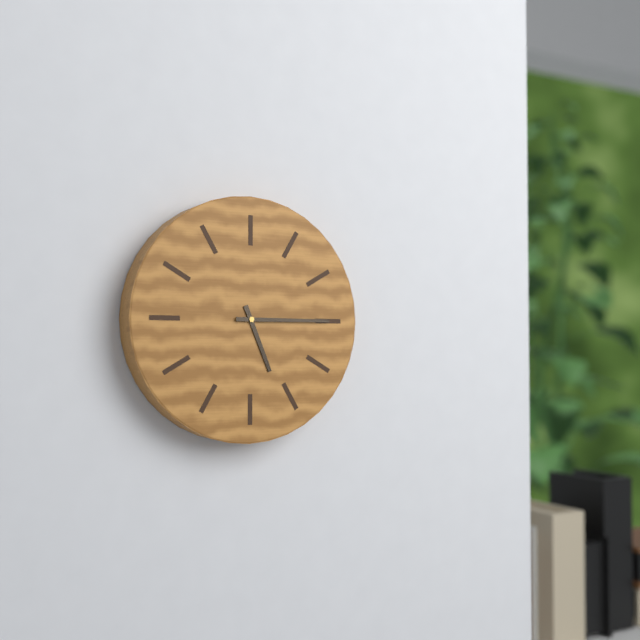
{"hour": 5, "minute": 15}
